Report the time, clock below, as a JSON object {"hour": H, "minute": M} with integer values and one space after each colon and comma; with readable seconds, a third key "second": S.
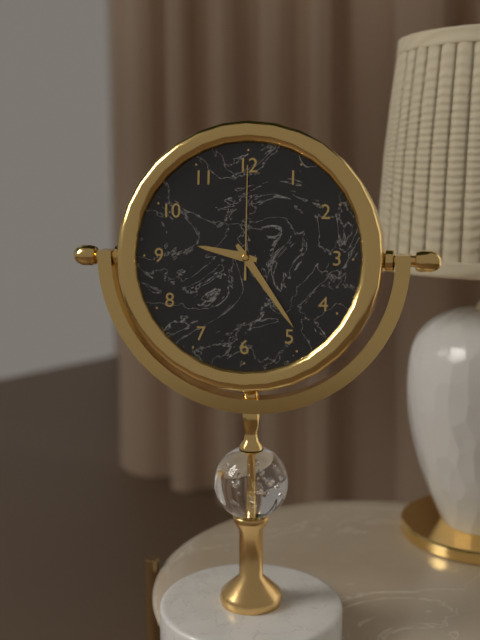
{"hour": 9, "minute": 24, "second": 0}
